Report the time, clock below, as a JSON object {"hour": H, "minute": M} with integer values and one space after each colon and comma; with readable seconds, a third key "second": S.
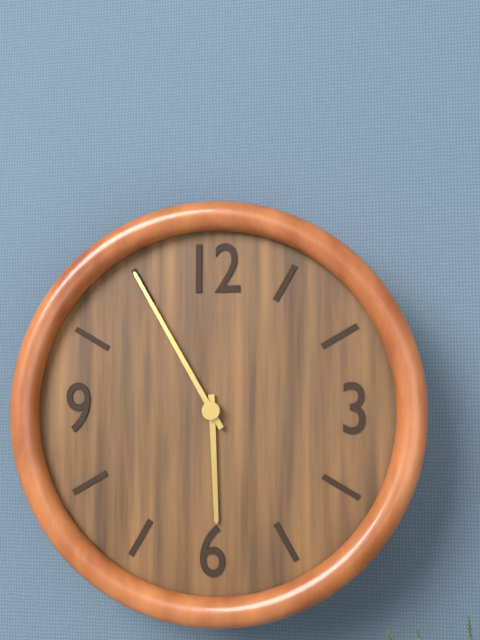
{"hour": 5, "minute": 55}
